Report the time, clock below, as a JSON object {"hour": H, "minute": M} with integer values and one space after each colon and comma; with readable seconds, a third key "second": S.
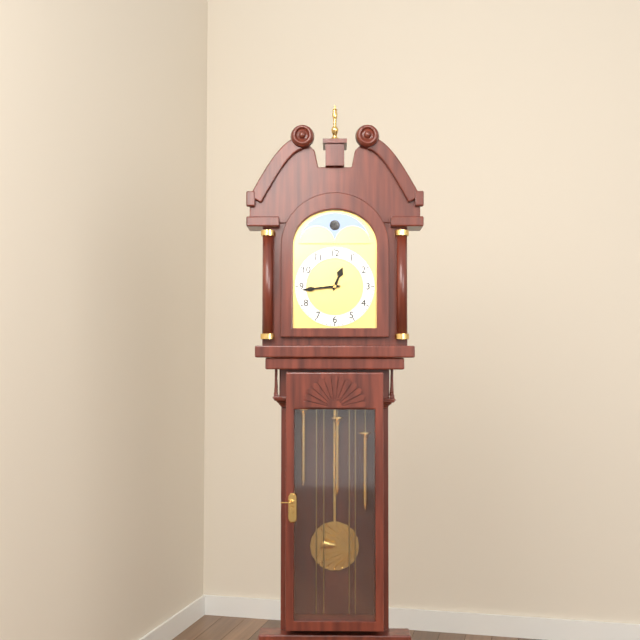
{"hour": 12, "minute": 44}
